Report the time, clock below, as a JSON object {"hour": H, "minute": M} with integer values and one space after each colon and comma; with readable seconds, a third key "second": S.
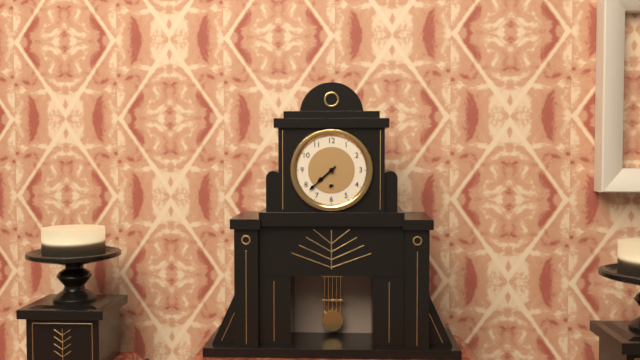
{"hour": 7, "minute": 38}
